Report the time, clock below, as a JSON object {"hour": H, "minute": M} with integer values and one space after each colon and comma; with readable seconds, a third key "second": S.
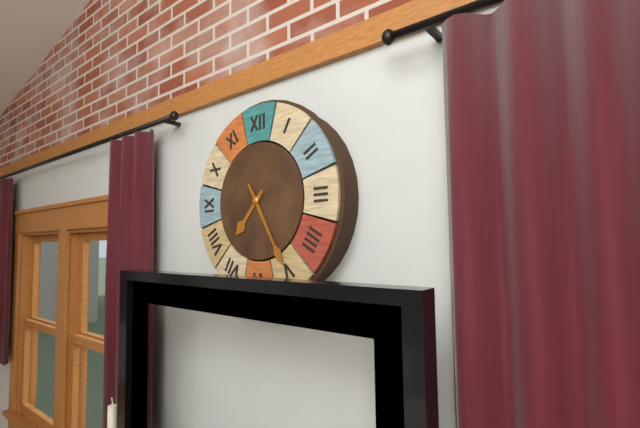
{"hour": 7, "minute": 25}
